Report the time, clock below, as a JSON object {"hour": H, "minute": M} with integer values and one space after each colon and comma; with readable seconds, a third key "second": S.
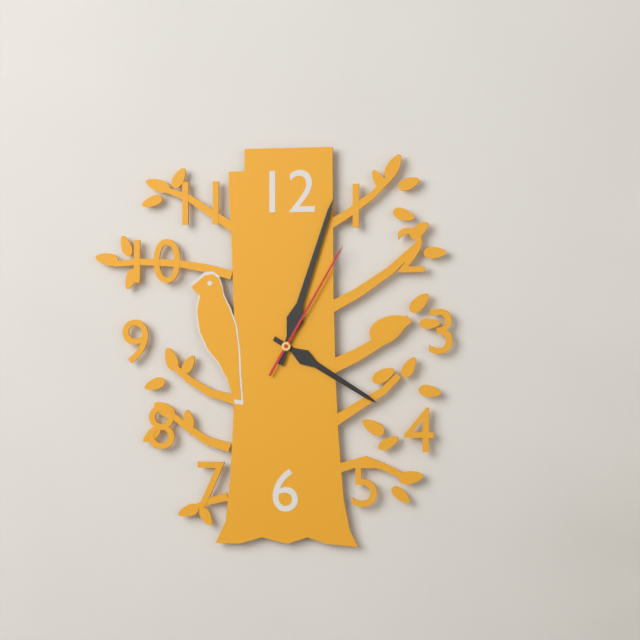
{"hour": 4, "minute": 3, "second": 5}
